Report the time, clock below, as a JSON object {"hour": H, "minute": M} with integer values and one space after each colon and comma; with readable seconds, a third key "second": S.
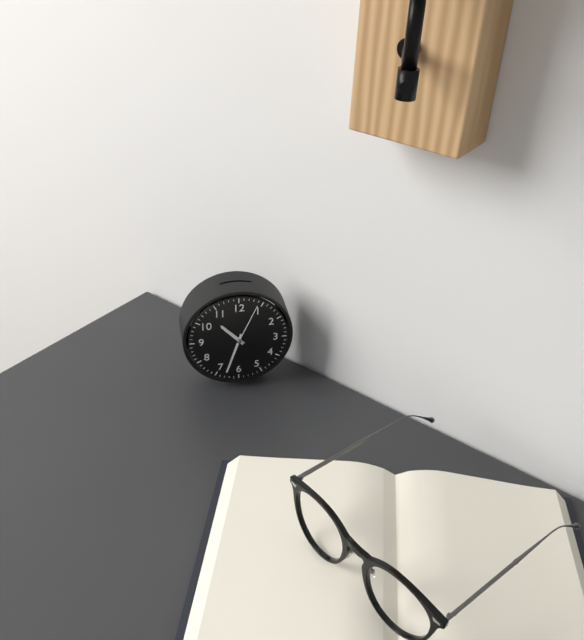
{"hour": 10, "minute": 33, "second": 4}
